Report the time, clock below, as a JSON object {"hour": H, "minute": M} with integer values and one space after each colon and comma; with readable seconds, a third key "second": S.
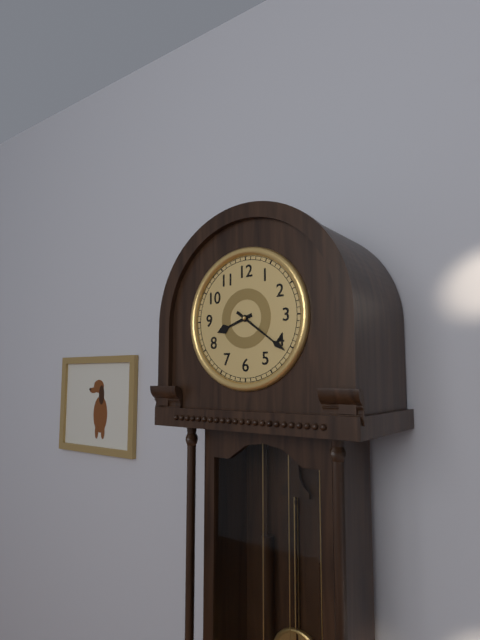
{"hour": 8, "minute": 21}
